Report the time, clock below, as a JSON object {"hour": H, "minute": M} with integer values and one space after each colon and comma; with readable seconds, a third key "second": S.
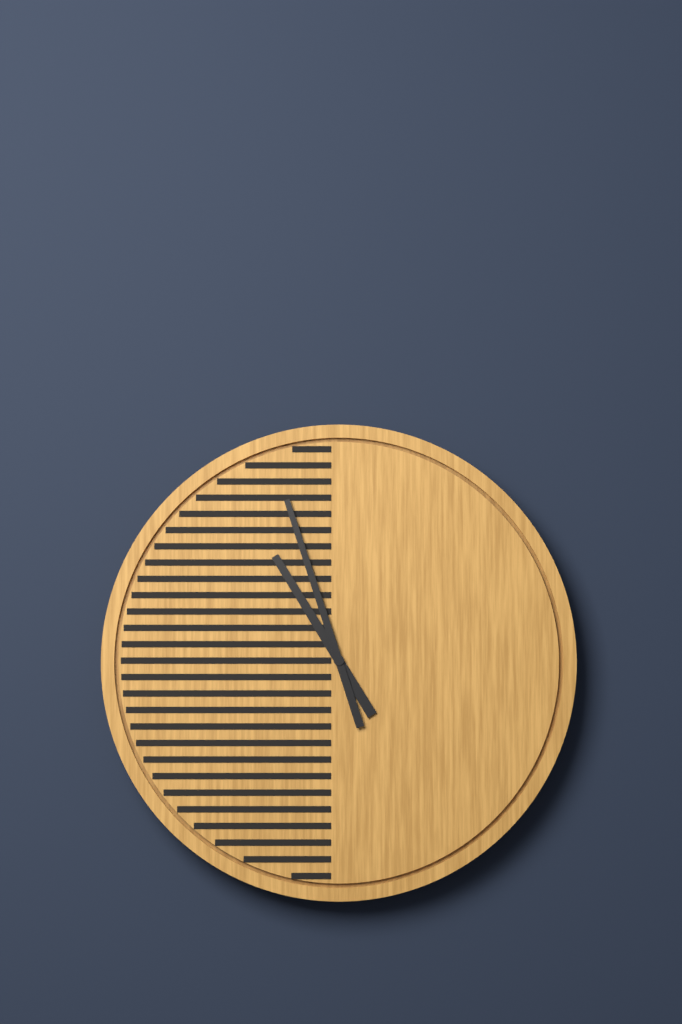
{"hour": 10, "minute": 57}
